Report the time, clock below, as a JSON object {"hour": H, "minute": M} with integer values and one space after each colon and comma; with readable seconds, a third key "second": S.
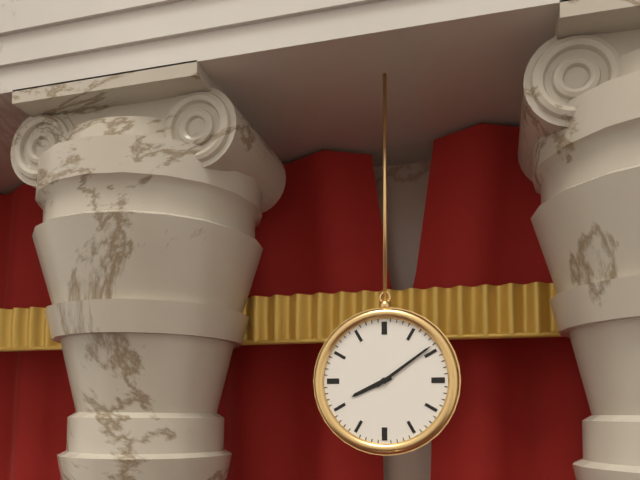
{"hour": 8, "minute": 9}
